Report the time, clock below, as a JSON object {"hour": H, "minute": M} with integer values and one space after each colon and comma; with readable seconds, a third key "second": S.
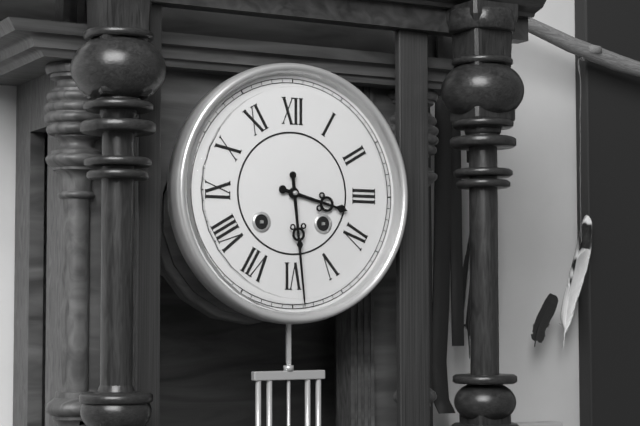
{"hour": 3, "minute": 29}
